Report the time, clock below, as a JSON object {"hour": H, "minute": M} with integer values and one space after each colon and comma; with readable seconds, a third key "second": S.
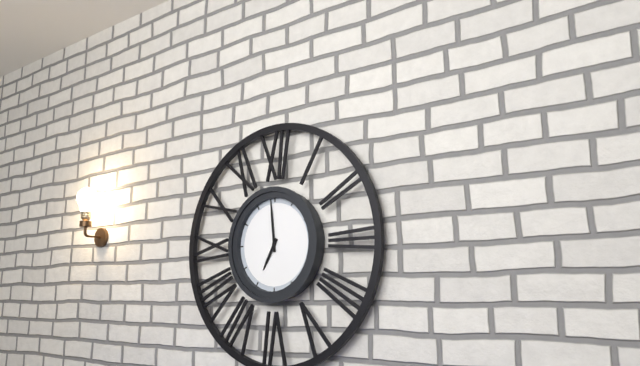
{"hour": 6, "minute": 59}
